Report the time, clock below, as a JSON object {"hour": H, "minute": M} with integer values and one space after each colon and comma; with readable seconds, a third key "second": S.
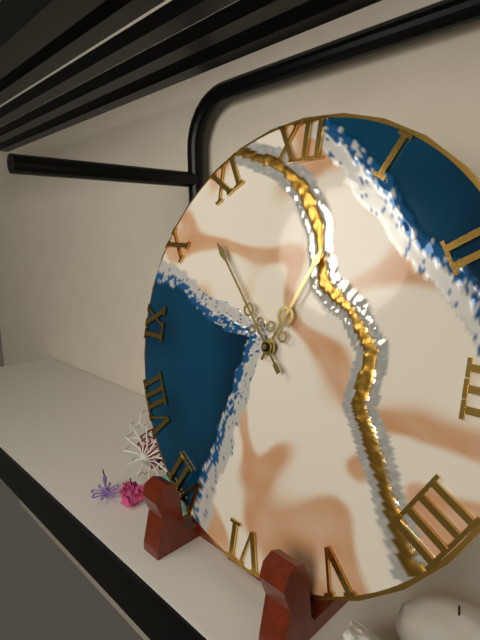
{"hour": 12, "minute": 53}
